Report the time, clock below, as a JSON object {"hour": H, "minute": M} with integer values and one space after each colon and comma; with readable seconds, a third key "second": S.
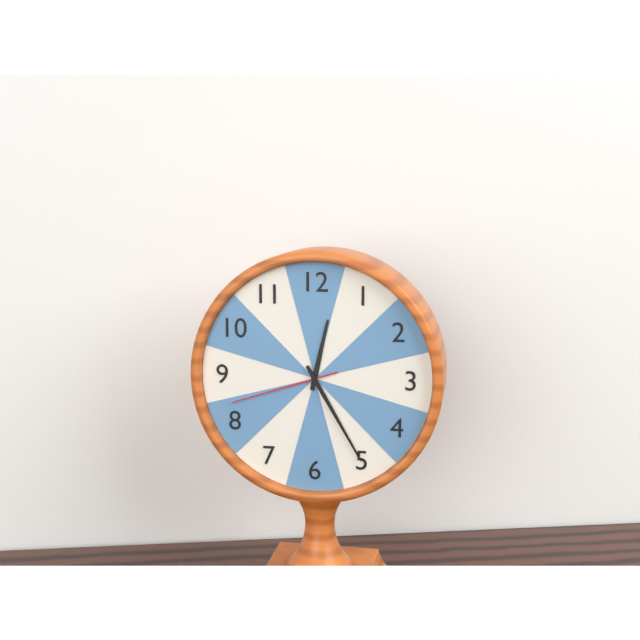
{"hour": 12, "minute": 25, "second": 42}
